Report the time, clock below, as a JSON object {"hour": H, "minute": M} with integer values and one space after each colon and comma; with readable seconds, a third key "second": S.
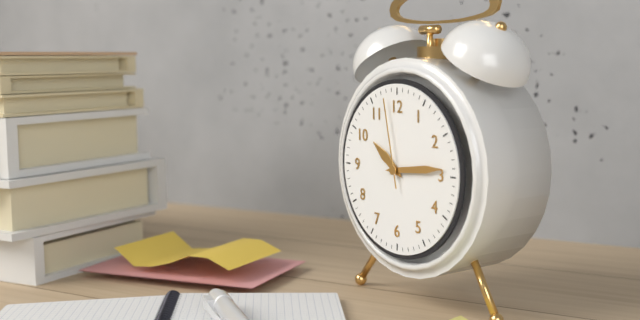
{"hour": 10, "minute": 14, "second": 58}
